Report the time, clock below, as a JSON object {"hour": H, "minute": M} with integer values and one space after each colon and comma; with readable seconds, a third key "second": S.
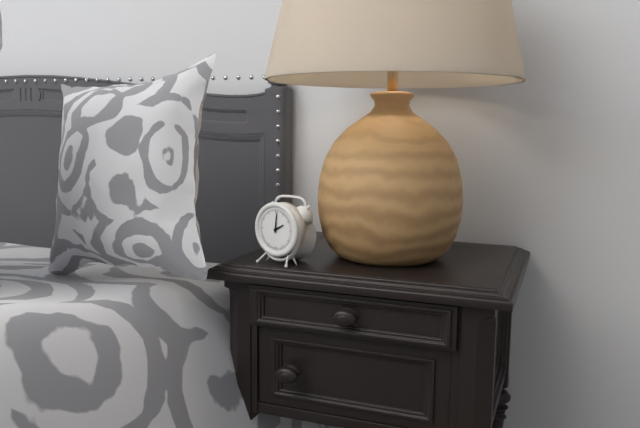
{"hour": 2, "minute": 1}
